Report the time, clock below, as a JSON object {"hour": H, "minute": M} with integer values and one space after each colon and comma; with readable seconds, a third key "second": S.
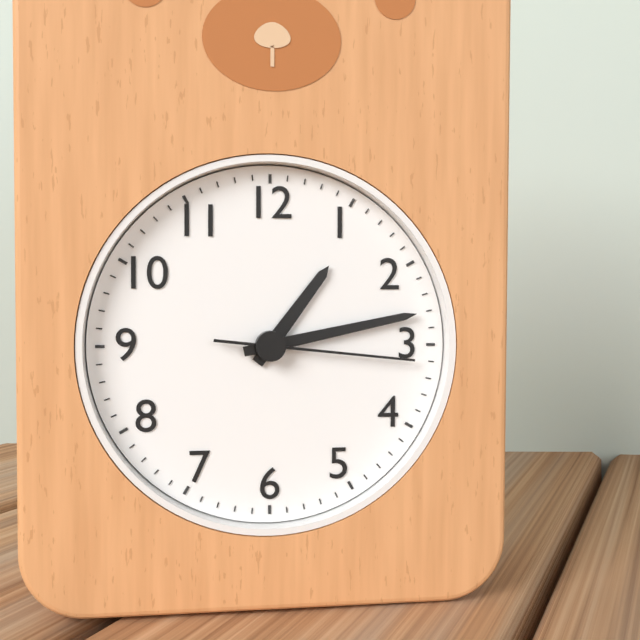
{"hour": 1, "minute": 13, "second": 16}
